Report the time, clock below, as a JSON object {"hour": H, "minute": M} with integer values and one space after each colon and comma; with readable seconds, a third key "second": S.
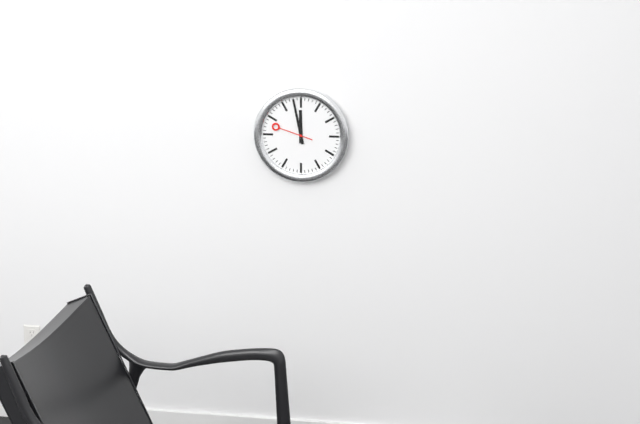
{"hour": 11, "minute": 58}
